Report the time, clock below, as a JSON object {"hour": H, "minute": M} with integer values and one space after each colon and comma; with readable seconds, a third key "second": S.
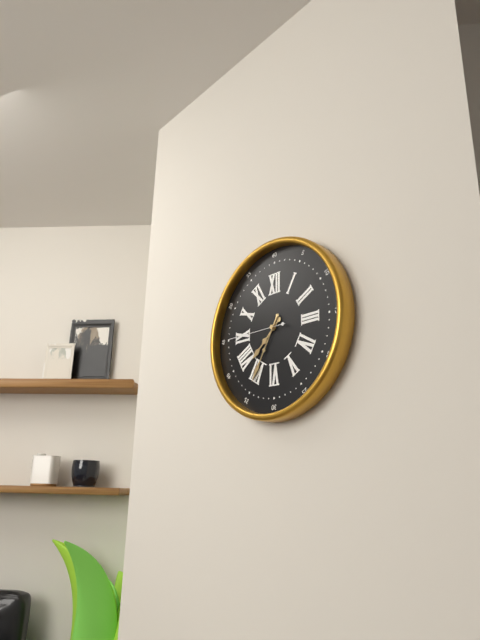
{"hour": 7, "minute": 35, "second": 45}
